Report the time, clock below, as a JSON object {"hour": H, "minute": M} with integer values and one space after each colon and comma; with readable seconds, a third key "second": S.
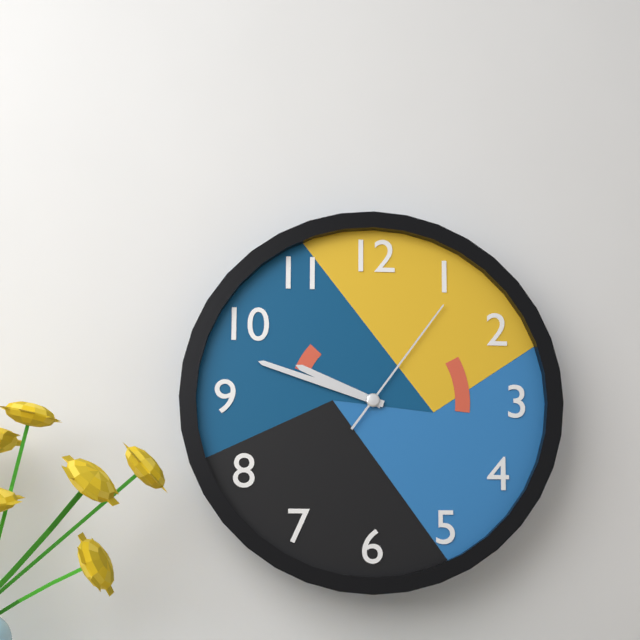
{"hour": 9, "minute": 48, "second": 6}
